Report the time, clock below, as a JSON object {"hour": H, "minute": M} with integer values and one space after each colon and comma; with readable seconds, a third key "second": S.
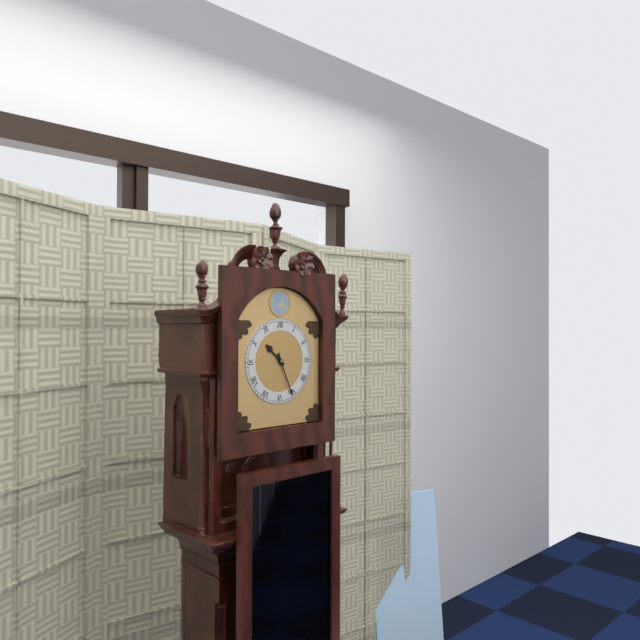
{"hour": 10, "minute": 26}
